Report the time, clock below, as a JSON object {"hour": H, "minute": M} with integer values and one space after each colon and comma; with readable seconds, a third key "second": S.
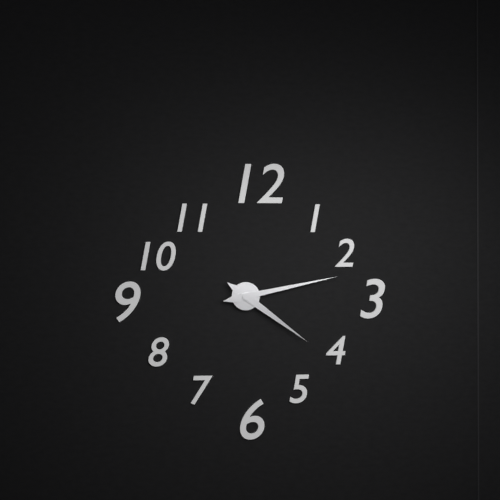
{"hour": 4, "minute": 13}
